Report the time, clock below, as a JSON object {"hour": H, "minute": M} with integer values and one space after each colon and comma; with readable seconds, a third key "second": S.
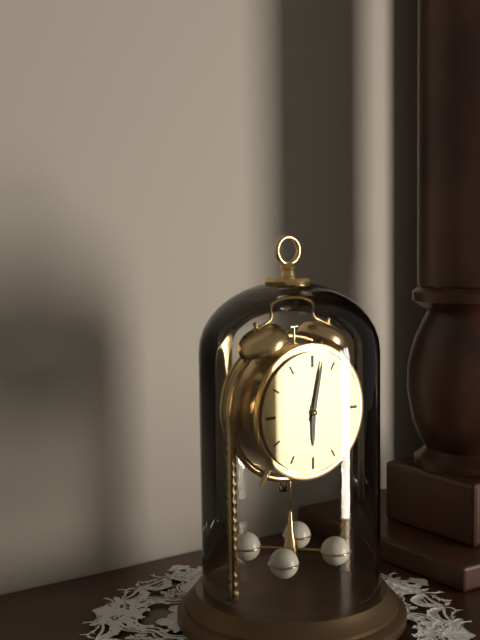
{"hour": 6, "minute": 2}
